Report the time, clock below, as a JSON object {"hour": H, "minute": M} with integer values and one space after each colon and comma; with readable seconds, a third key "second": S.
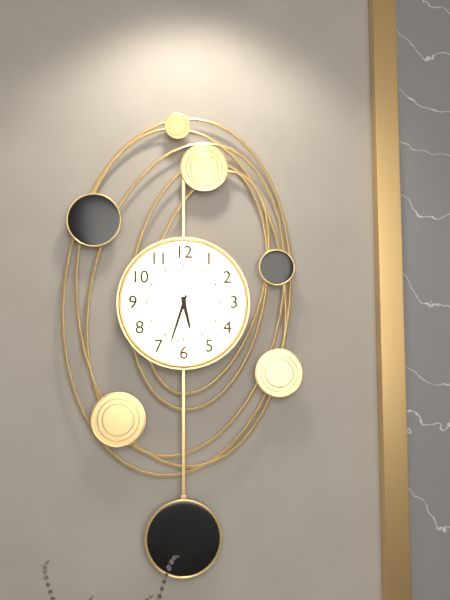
{"hour": 5, "minute": 33}
